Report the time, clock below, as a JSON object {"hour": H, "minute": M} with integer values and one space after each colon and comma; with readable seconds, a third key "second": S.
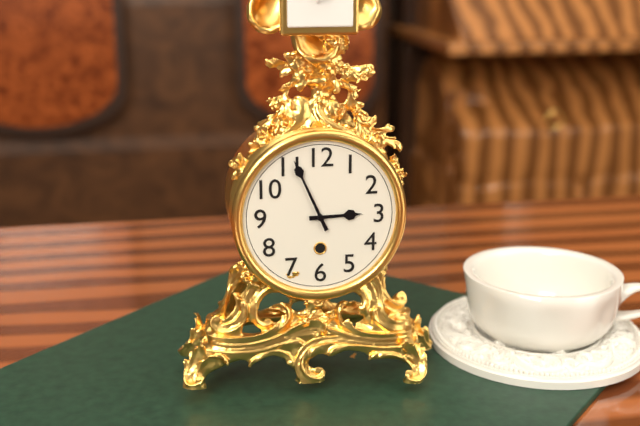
{"hour": 2, "minute": 56}
